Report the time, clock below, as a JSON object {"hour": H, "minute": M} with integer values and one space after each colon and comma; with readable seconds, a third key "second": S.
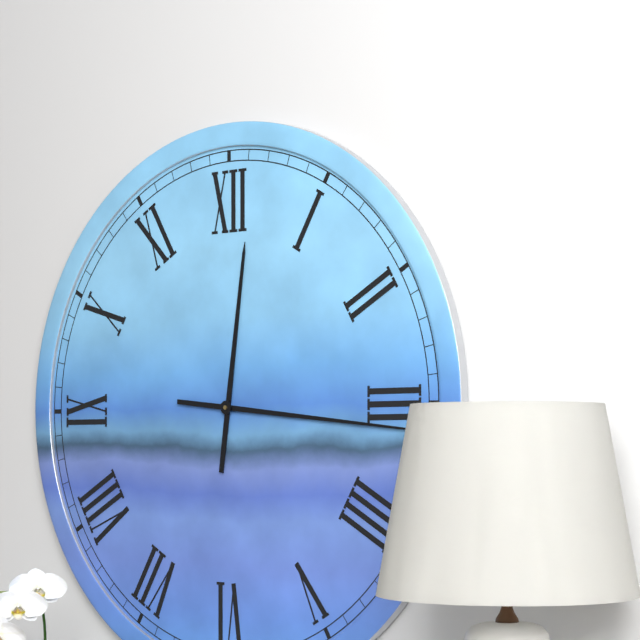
{"hour": 12, "minute": 16}
